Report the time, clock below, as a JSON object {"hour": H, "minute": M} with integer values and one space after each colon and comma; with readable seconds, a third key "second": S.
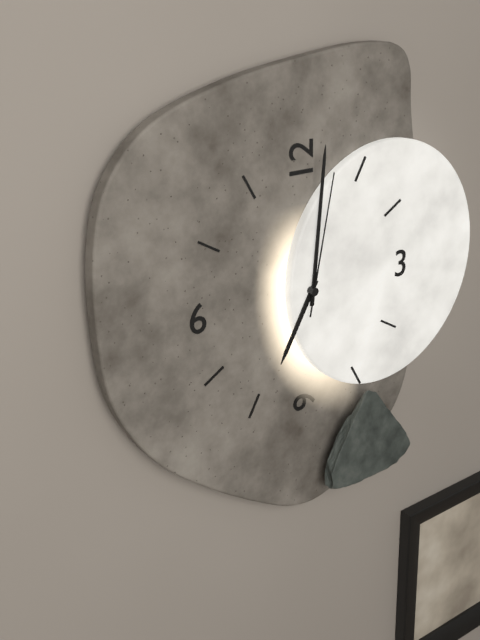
{"hour": 7, "minute": 1, "second": 2}
